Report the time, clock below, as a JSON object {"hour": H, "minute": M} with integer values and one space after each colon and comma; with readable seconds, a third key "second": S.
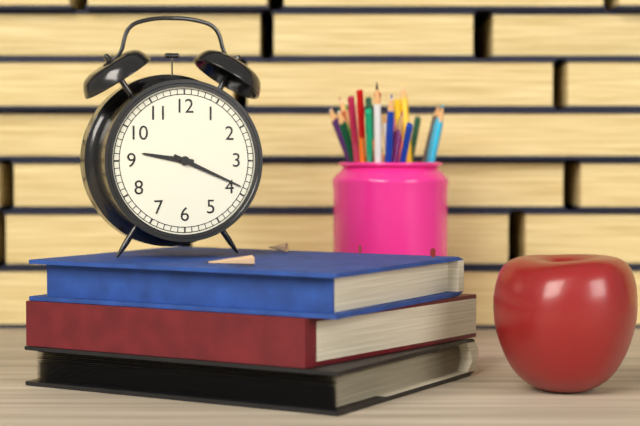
{"hour": 9, "minute": 19}
